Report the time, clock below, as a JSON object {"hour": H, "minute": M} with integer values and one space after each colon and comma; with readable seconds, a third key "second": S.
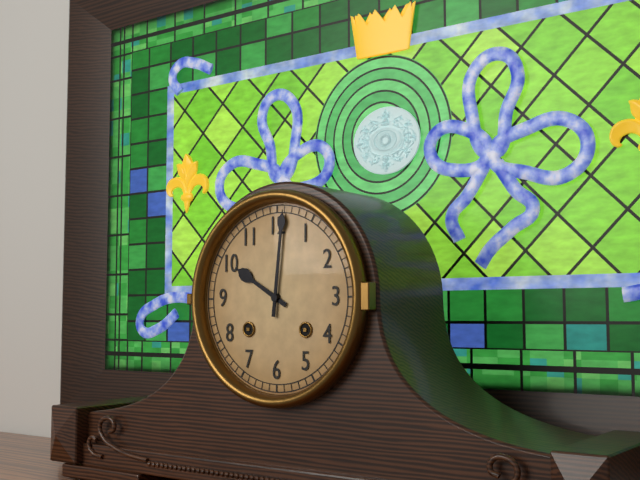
{"hour": 10, "minute": 1}
